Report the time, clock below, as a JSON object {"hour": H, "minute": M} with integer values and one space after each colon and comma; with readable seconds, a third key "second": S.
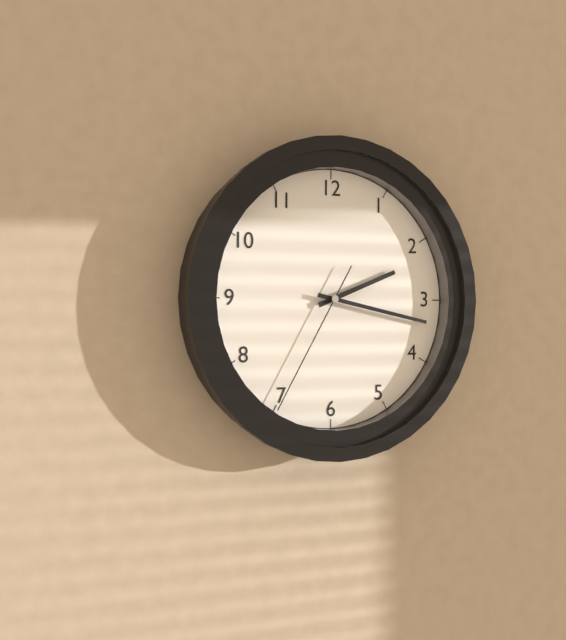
{"hour": 2, "minute": 17, "second": 35}
